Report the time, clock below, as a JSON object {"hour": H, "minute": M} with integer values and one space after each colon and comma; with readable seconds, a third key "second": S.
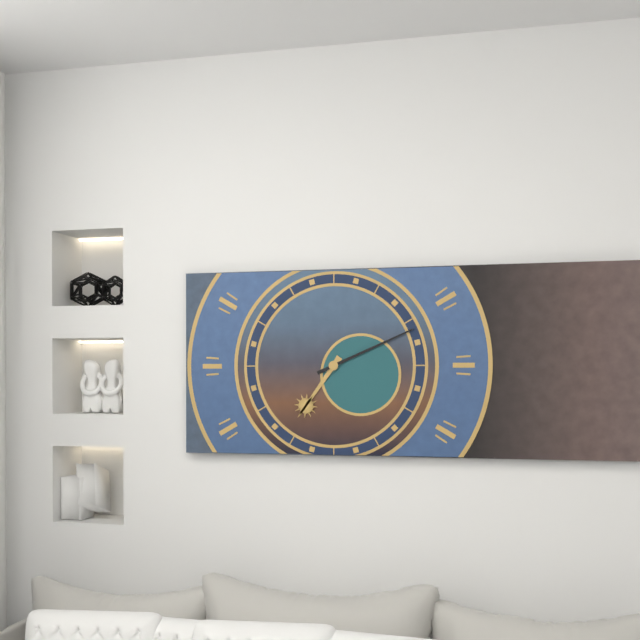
{"hour": 7, "minute": 11}
